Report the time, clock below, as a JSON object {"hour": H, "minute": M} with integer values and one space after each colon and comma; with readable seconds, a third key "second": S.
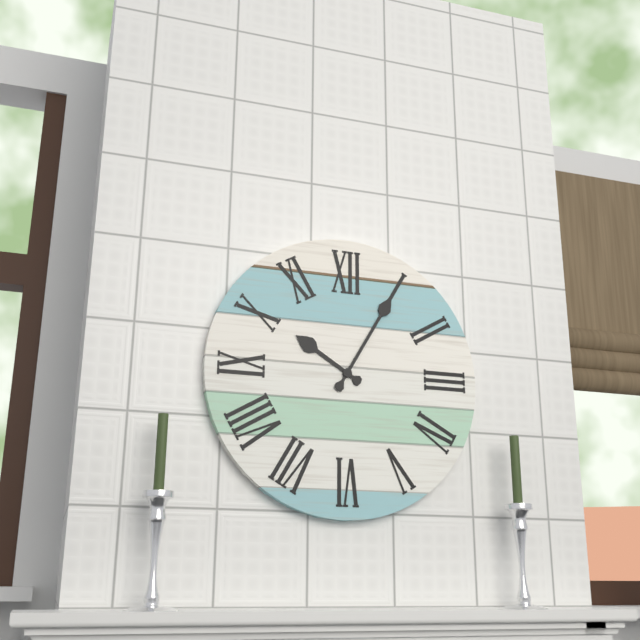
{"hour": 10, "minute": 5}
